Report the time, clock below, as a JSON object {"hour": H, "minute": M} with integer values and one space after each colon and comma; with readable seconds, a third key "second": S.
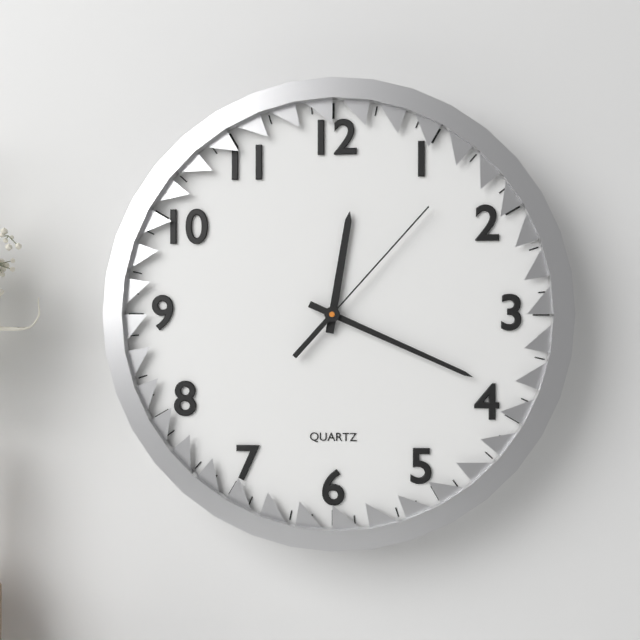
{"hour": 12, "minute": 19, "second": 7}
